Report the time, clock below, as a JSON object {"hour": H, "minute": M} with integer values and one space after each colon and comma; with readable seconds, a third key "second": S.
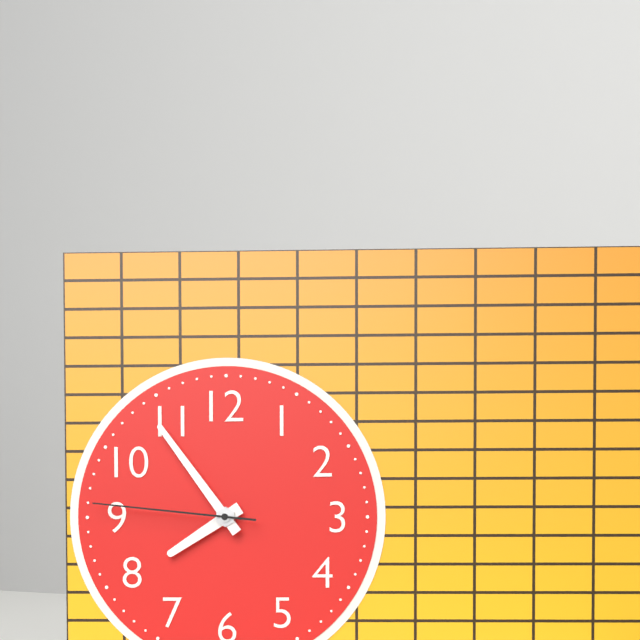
{"hour": 7, "minute": 54, "second": 46}
